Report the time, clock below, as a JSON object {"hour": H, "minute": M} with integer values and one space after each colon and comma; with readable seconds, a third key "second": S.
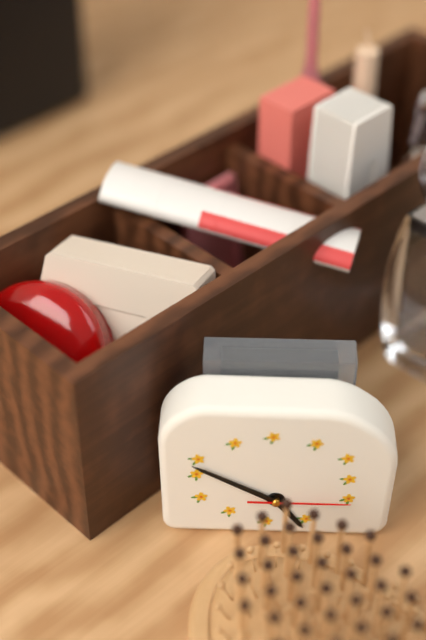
{"hour": 4, "minute": 50, "second": 15}
